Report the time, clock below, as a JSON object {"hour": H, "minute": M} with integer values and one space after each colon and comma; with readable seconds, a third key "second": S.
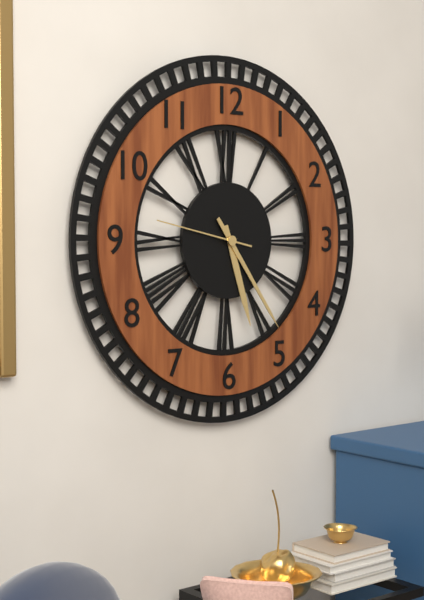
{"hour": 5, "minute": 24, "second": 47}
